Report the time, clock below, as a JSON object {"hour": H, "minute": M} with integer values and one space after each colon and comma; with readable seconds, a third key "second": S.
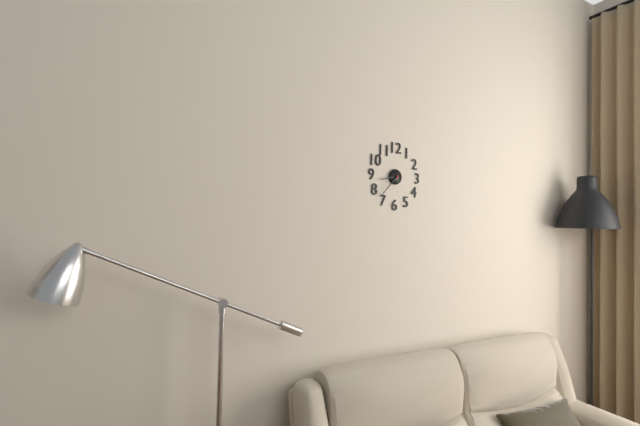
{"hour": 8, "minute": 37}
